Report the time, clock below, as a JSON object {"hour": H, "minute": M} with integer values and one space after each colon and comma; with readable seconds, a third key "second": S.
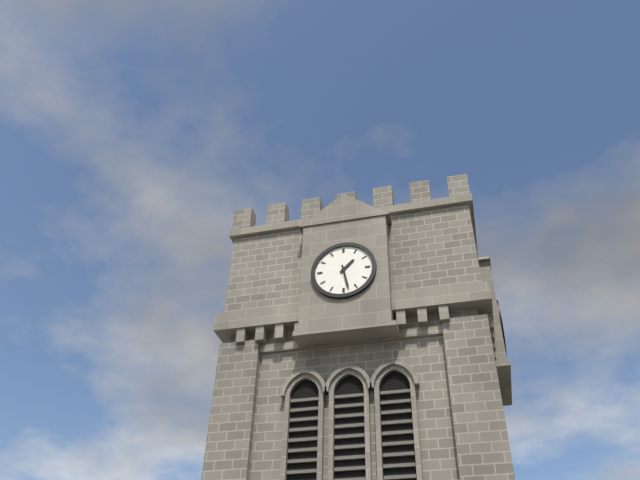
{"hour": 1, "minute": 28}
